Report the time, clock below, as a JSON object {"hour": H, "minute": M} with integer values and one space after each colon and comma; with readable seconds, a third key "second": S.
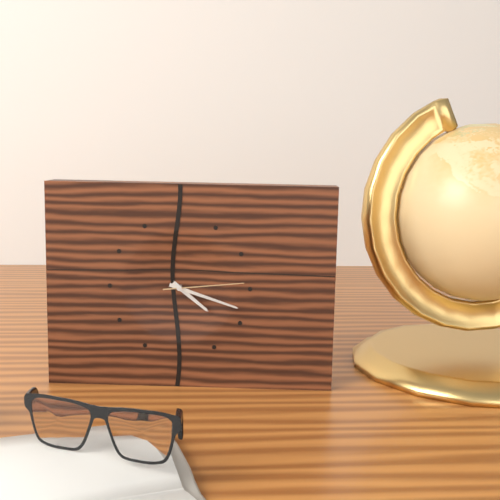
{"hour": 4, "minute": 18, "second": 14}
